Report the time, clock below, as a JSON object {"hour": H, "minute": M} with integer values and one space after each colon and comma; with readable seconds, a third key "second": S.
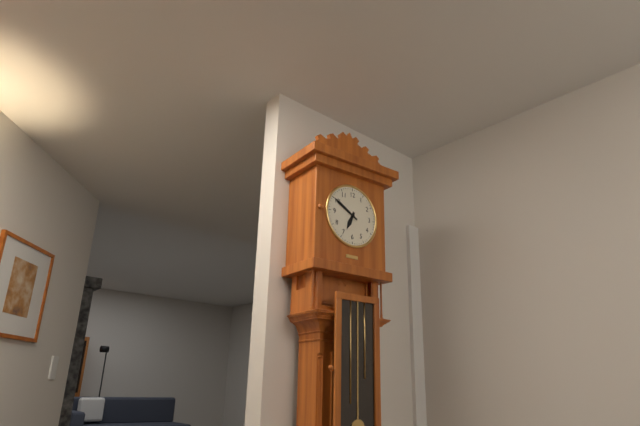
{"hour": 6, "minute": 50}
